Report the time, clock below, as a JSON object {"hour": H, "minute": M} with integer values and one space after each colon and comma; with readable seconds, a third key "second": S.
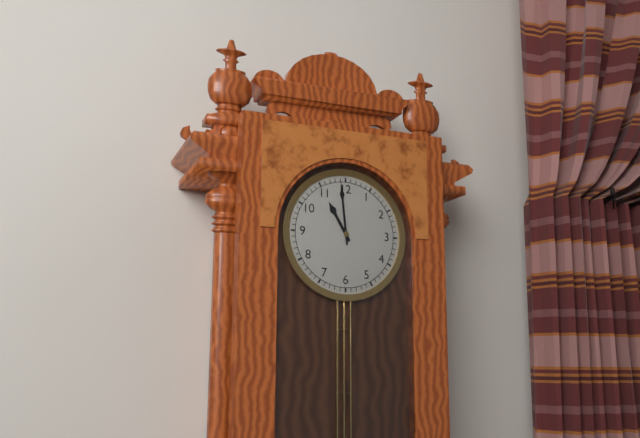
{"hour": 10, "minute": 59}
